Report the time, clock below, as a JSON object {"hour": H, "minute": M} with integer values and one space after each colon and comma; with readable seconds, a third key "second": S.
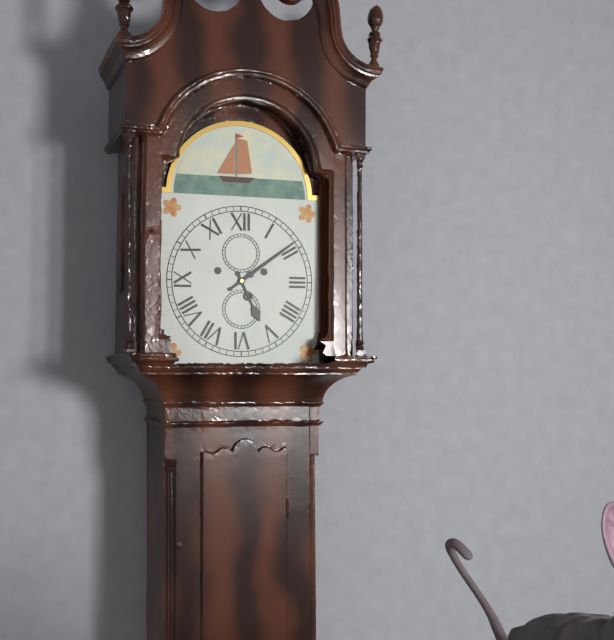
{"hour": 5, "minute": 9}
